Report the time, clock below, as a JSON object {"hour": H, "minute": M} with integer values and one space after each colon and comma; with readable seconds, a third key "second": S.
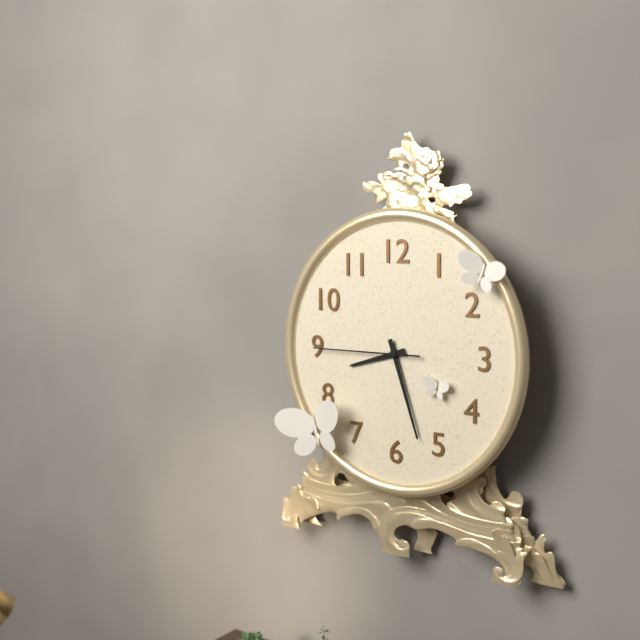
{"hour": 8, "minute": 27, "second": 45}
